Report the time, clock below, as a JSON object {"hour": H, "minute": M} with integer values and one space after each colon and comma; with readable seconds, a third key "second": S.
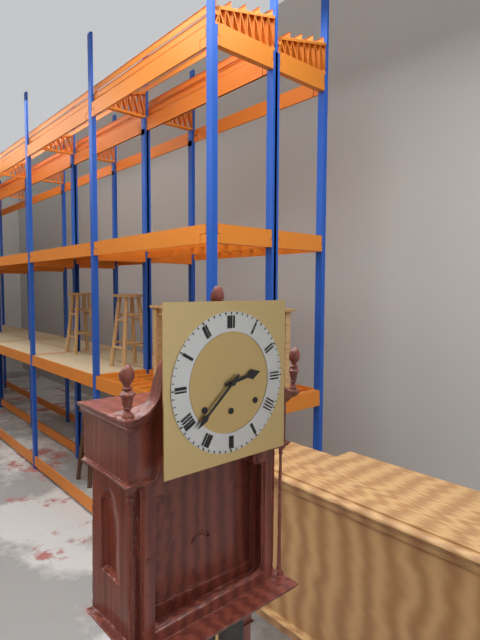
{"hour": 2, "minute": 38}
